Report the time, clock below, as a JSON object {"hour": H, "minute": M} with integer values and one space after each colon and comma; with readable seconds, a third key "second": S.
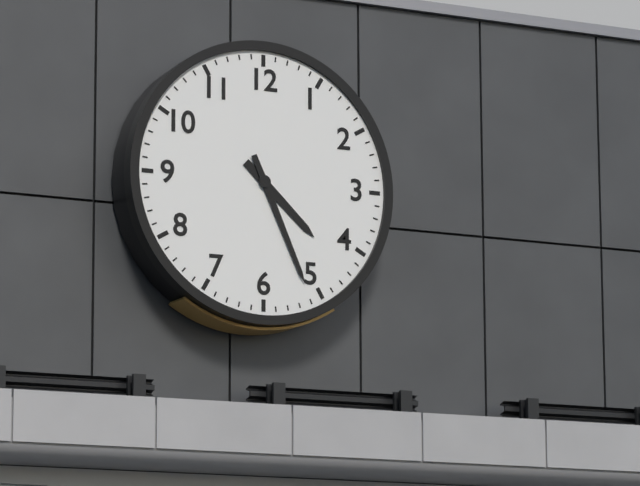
{"hour": 4, "minute": 26}
